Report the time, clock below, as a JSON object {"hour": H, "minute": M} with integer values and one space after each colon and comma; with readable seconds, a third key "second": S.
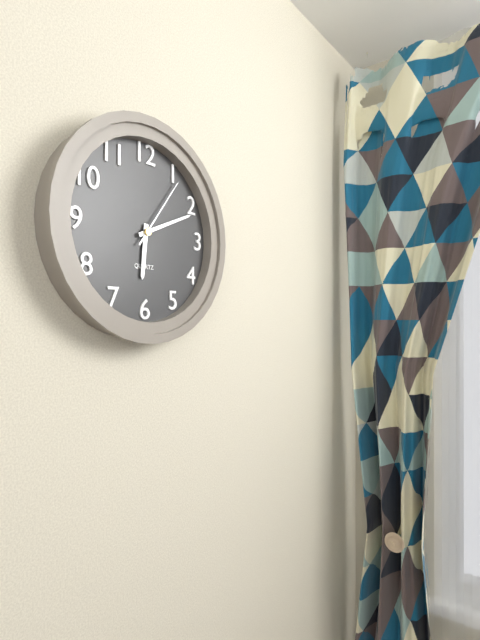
{"hour": 6, "minute": 11, "second": 6}
